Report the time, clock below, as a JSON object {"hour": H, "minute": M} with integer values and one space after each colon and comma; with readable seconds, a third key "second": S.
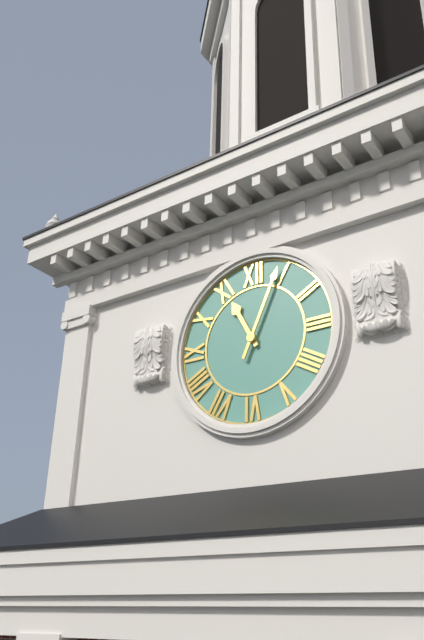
{"hour": 11, "minute": 4}
